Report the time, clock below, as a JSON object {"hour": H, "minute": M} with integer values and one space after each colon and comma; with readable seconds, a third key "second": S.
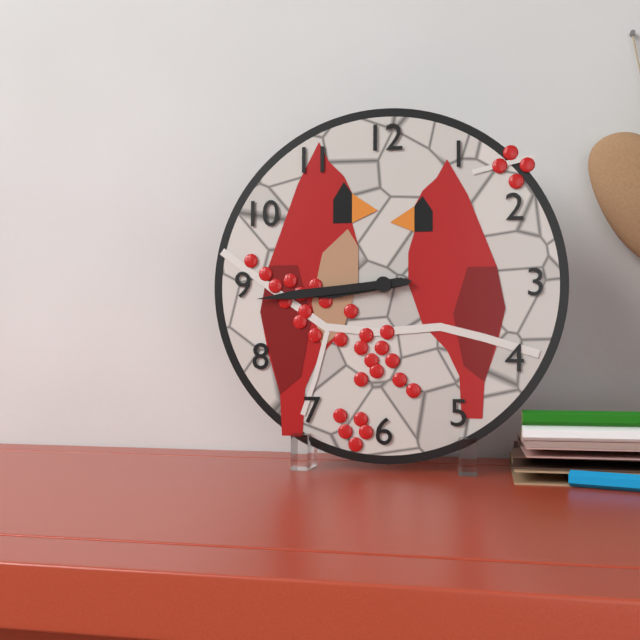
{"hour": 8, "minute": 44}
